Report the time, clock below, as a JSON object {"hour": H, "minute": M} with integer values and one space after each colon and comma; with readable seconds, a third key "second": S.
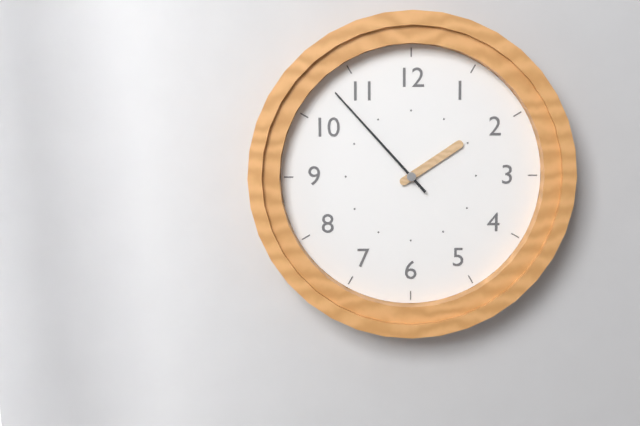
{"hour": 1, "minute": 53}
